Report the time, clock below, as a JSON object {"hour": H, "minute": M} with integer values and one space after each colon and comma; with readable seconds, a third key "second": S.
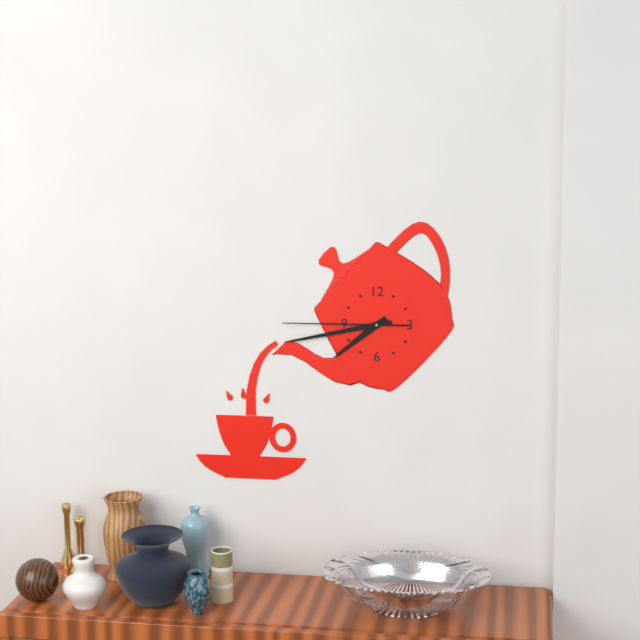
{"hour": 7, "minute": 43, "second": 45}
